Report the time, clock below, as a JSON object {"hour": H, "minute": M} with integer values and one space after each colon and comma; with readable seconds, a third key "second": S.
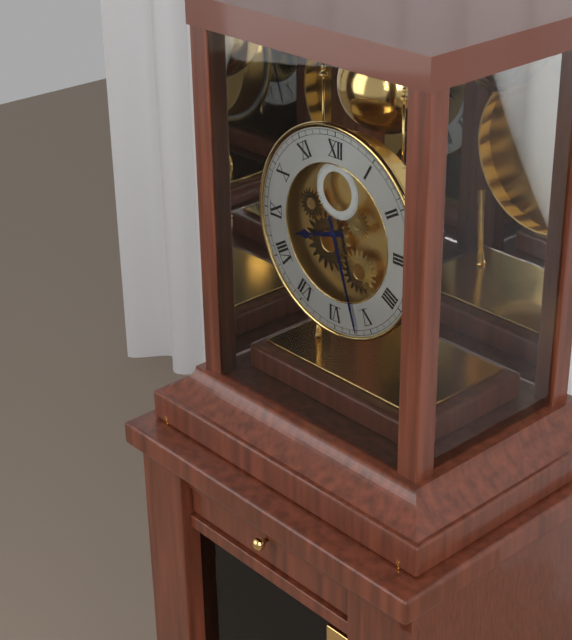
{"hour": 8, "minute": 27}
